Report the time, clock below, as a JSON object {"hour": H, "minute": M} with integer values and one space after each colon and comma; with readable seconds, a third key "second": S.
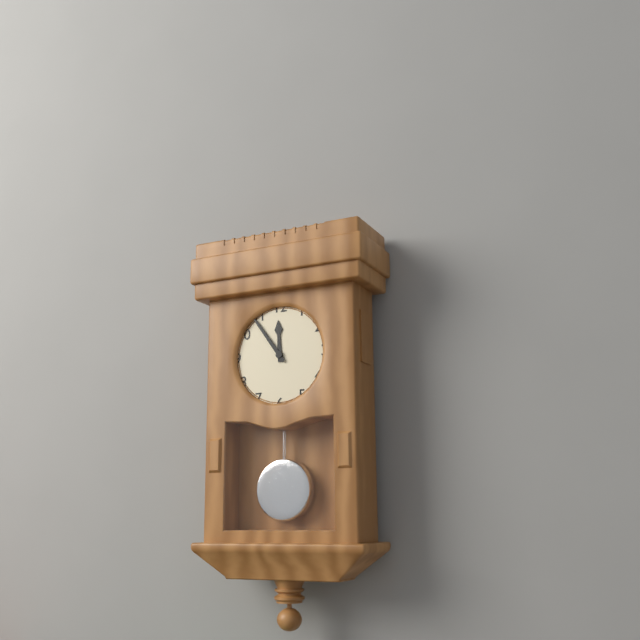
{"hour": 11, "minute": 54}
